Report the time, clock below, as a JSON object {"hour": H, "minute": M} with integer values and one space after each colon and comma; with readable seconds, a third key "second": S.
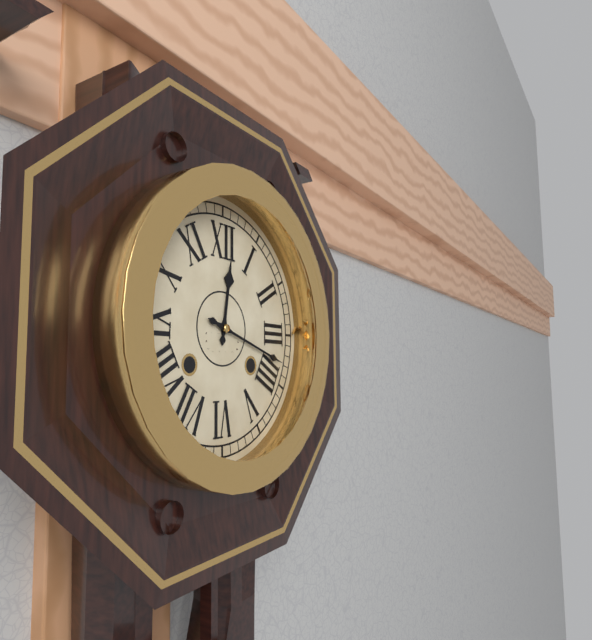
{"hour": 12, "minute": 18}
